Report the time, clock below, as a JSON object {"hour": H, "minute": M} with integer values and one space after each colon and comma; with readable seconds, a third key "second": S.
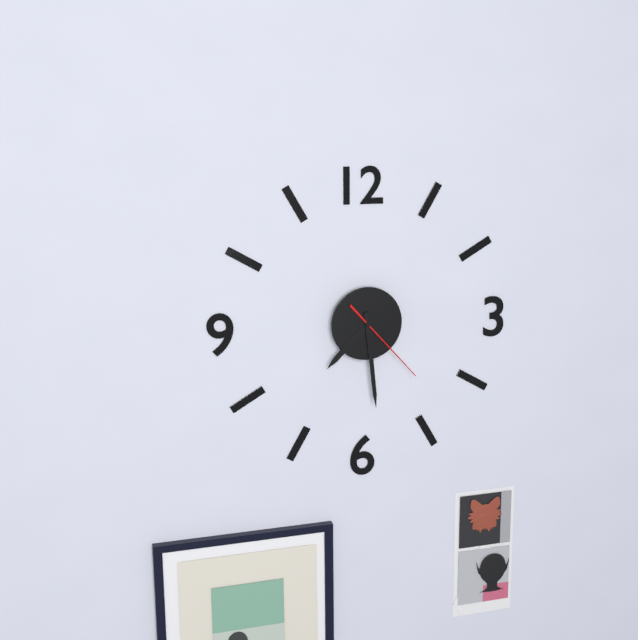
{"hour": 7, "minute": 29, "second": 23}
